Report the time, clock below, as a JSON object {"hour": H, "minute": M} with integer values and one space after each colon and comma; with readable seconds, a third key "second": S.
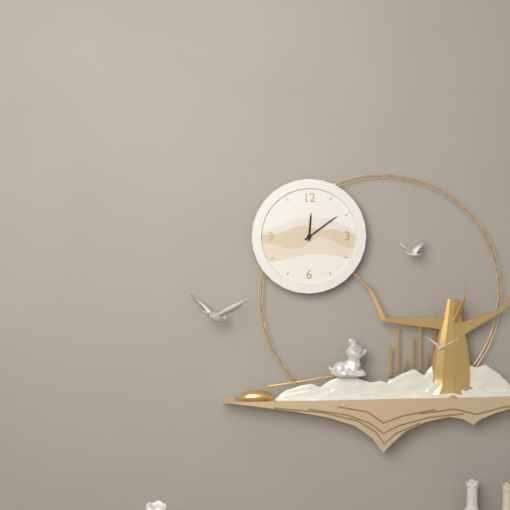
{"hour": 12, "minute": 9}
